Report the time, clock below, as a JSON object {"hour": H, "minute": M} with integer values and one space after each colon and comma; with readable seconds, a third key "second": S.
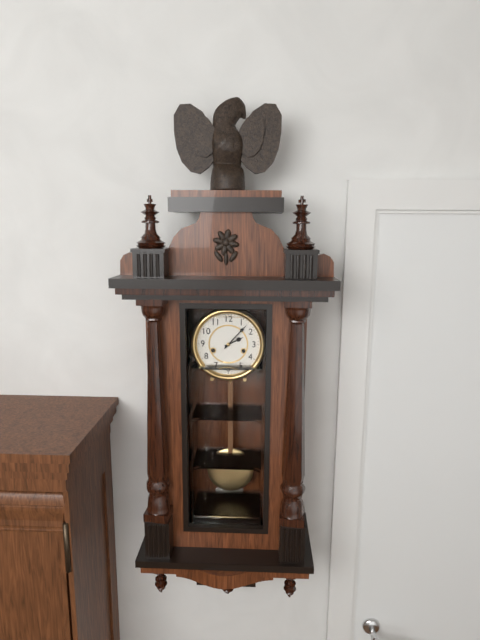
{"hour": 2, "minute": 7}
